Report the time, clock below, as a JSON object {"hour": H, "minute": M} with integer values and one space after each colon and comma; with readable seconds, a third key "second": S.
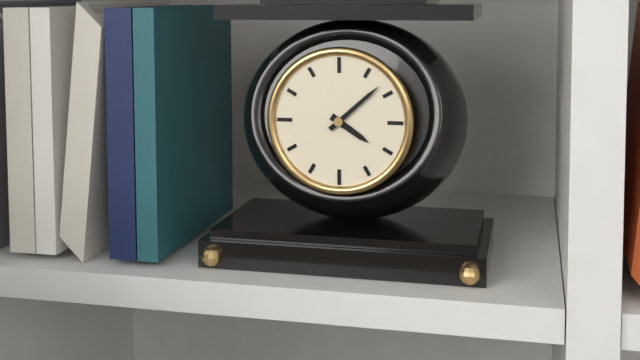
{"hour": 4, "minute": 8}
